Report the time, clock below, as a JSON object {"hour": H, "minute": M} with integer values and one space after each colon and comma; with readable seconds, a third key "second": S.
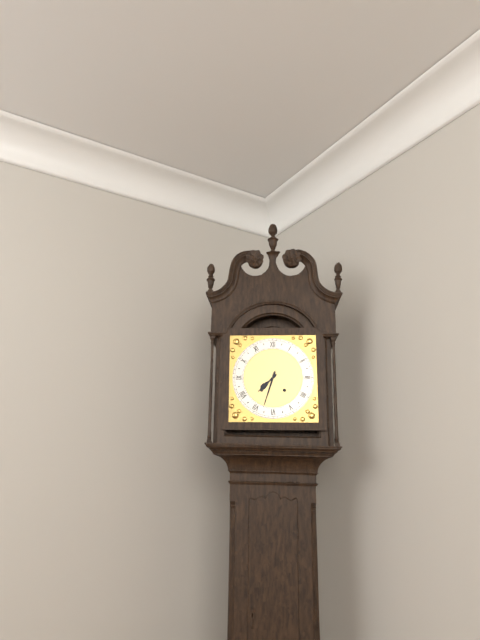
{"hour": 7, "minute": 33}
